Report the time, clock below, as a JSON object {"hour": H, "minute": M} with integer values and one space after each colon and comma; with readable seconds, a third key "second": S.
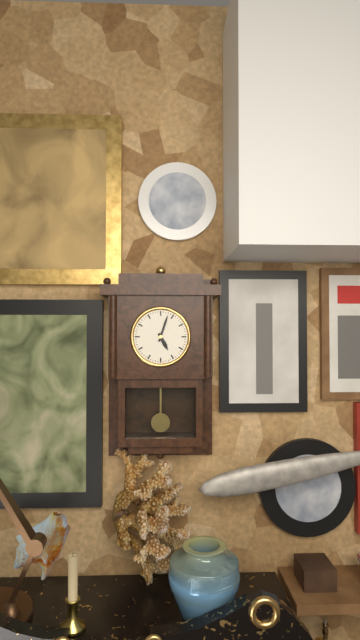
{"hour": 5, "minute": 3}
